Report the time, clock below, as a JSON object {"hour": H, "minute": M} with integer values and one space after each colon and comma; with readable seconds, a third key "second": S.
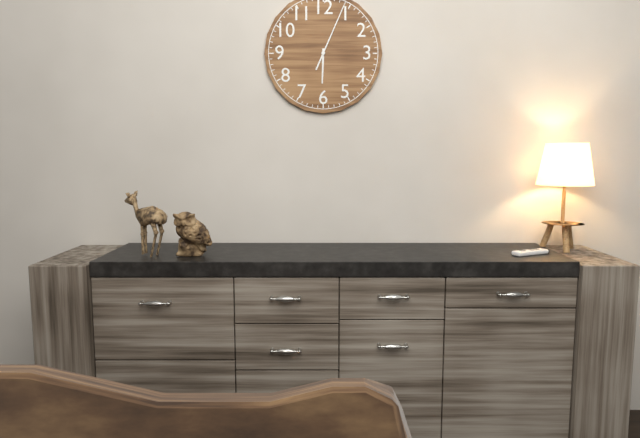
{"hour": 6, "minute": 4}
